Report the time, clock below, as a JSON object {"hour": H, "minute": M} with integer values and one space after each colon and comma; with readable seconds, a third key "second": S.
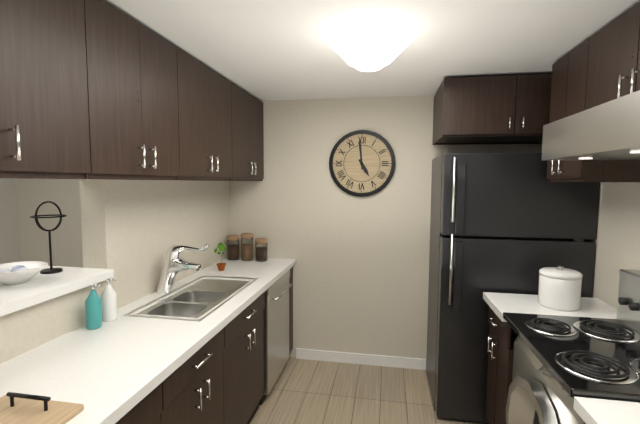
{"hour": 4, "minute": 59}
